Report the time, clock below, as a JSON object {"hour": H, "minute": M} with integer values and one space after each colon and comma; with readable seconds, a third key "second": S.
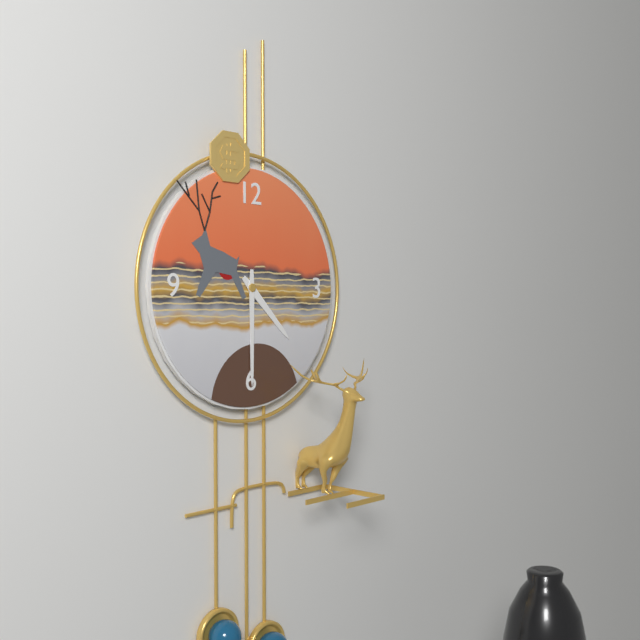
{"hour": 4, "minute": 30}
